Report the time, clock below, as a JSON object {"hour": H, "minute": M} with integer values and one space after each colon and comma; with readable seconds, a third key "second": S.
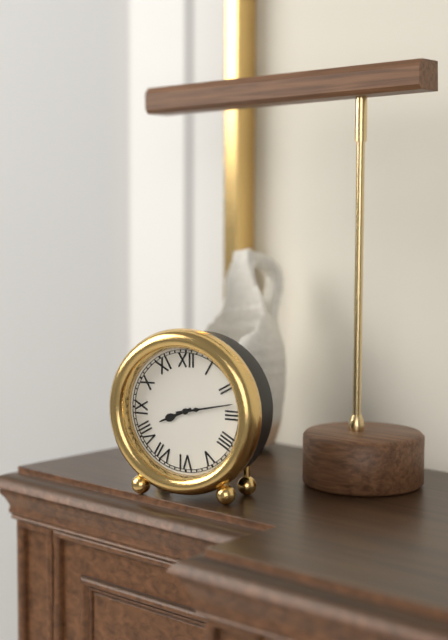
{"hour": 8, "minute": 13}
